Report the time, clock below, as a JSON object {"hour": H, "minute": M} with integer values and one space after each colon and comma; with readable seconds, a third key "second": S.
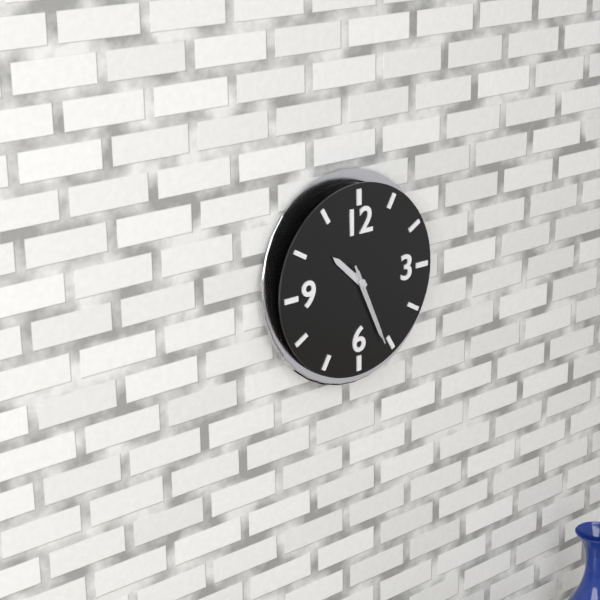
{"hour": 10, "minute": 26, "second": 26}
